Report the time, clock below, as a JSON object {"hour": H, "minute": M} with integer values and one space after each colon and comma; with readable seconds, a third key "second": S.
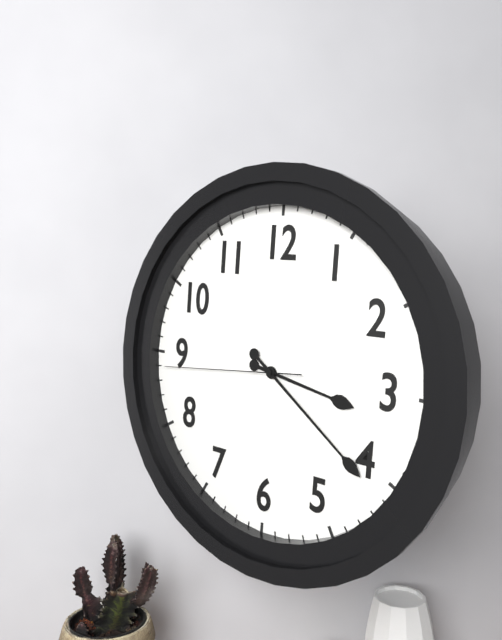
{"hour": 3, "minute": 21, "second": 44}
